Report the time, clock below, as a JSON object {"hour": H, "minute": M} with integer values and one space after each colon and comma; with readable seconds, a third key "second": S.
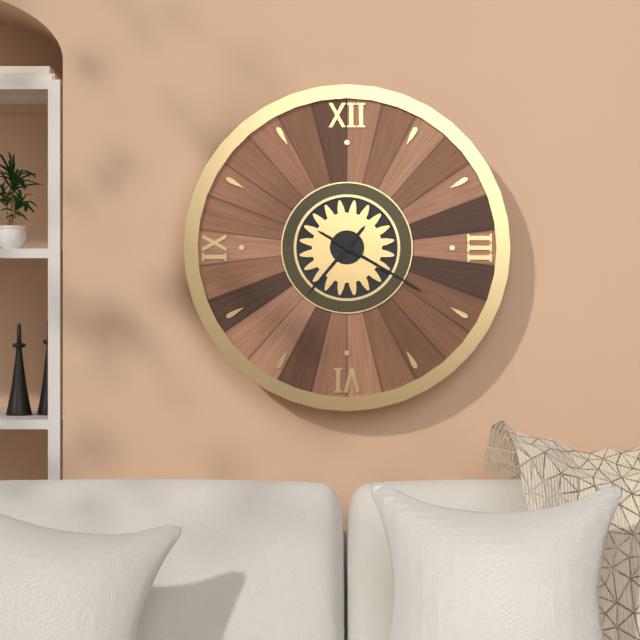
{"hour": 7, "minute": 20}
